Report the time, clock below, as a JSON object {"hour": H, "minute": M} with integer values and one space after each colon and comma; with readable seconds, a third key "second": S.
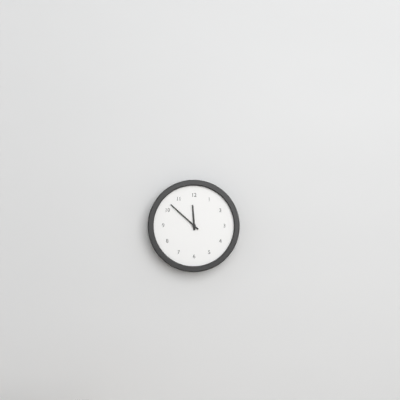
{"hour": 11, "minute": 52}
